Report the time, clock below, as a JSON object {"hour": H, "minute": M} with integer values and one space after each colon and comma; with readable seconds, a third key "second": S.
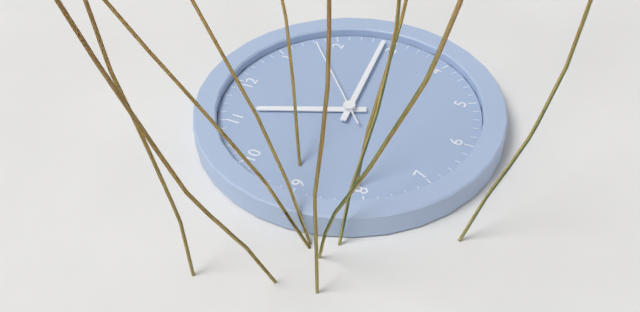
{"hour": 11, "minute": 14, "second": 8}
